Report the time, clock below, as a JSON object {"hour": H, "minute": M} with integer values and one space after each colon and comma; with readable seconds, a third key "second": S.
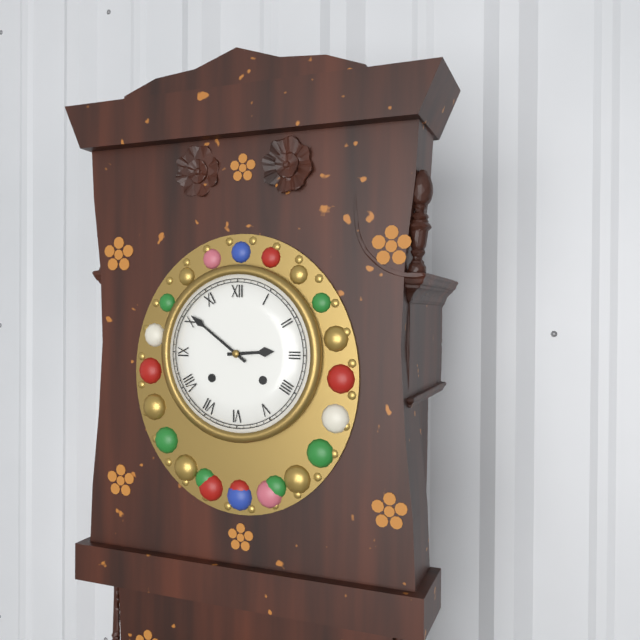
{"hour": 2, "minute": 51}
